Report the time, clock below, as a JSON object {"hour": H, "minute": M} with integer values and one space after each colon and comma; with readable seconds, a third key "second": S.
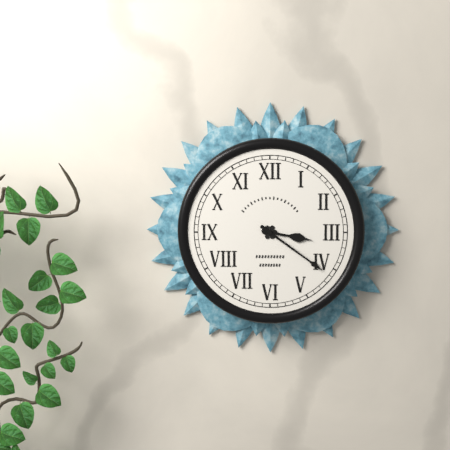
{"hour": 3, "minute": 21}
